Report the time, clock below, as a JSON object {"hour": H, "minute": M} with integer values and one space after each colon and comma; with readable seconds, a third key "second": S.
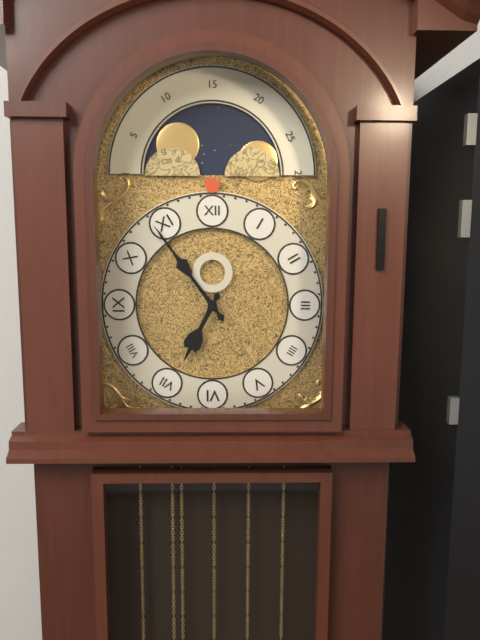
{"hour": 6, "minute": 54}
